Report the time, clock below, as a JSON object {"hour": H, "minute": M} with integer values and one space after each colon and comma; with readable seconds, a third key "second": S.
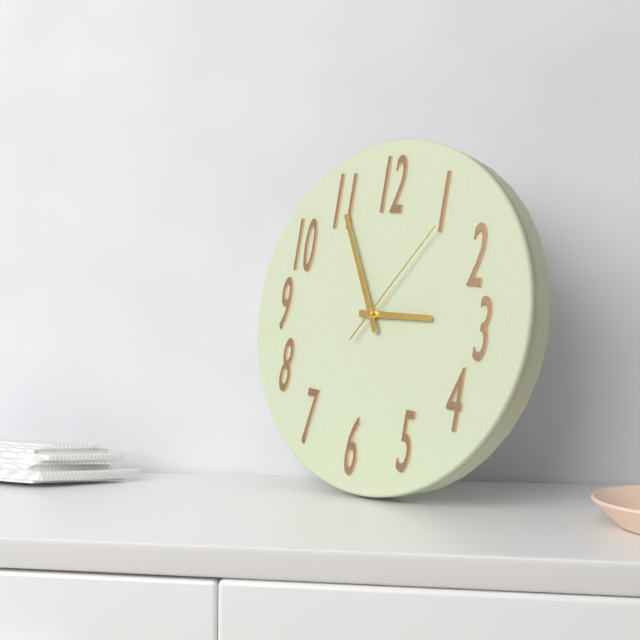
{"hour": 2, "minute": 55, "second": 6}
